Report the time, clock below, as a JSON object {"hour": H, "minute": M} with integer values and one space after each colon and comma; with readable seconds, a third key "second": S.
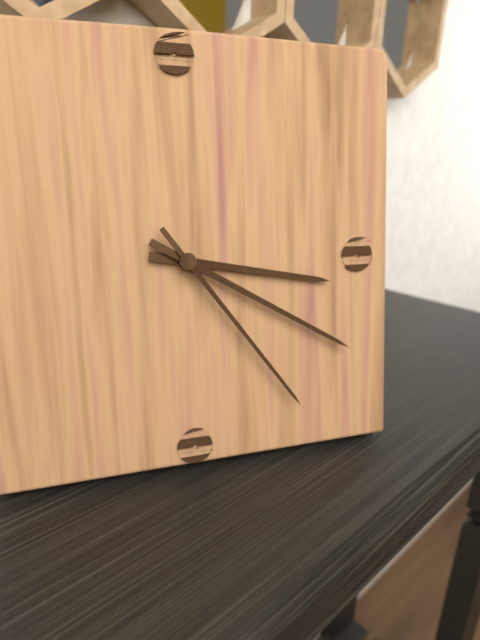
{"hour": 3, "minute": 20, "second": 24}
